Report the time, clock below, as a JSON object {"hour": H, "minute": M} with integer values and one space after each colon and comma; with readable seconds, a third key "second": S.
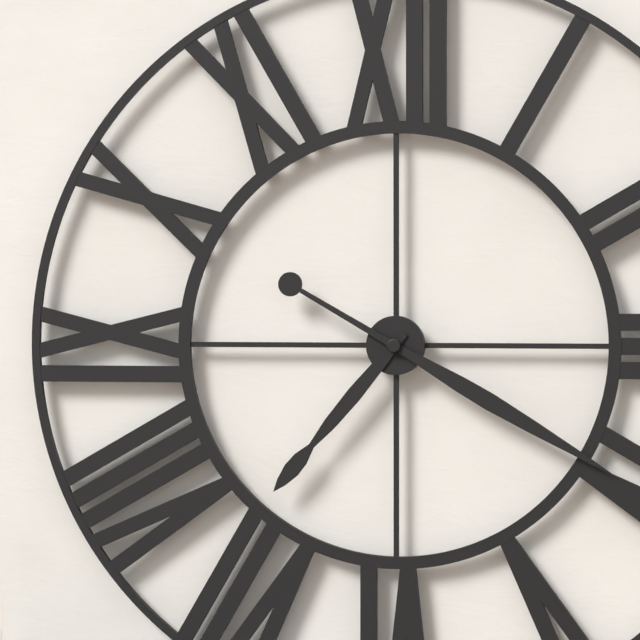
{"hour": 7, "minute": 20}
